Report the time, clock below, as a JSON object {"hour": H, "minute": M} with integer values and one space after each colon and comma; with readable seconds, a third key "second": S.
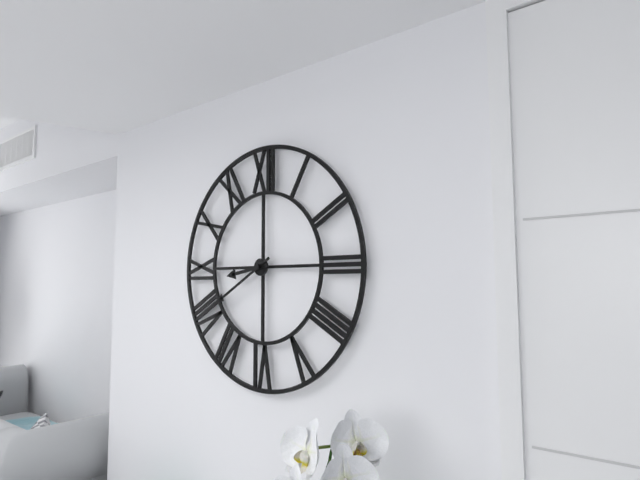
{"hour": 8, "minute": 40}
